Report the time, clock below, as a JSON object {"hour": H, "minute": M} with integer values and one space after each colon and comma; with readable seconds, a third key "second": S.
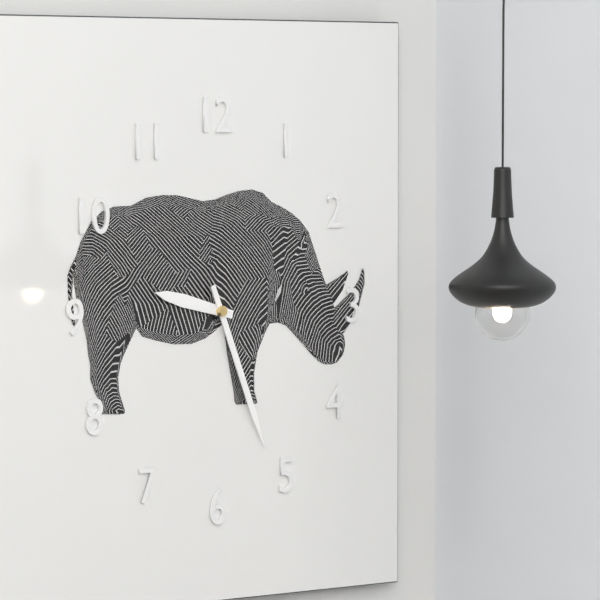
{"hour": 9, "minute": 26}
